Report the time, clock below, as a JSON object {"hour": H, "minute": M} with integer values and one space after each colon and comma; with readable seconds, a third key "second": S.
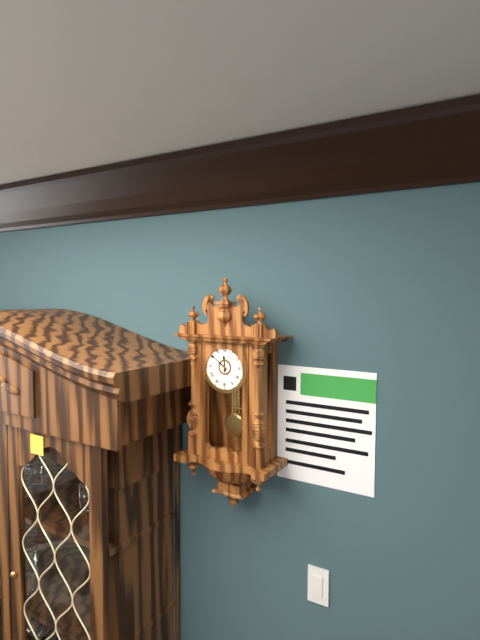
{"hour": 11, "minute": 51}
